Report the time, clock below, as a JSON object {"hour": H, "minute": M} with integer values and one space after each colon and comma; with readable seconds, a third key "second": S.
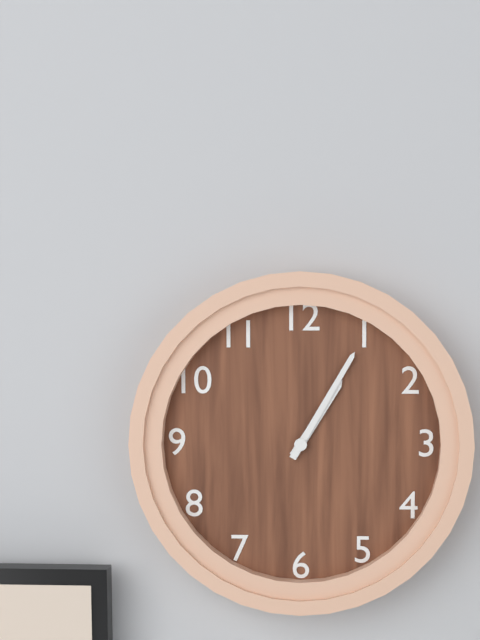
{"hour": 1, "minute": 5}
